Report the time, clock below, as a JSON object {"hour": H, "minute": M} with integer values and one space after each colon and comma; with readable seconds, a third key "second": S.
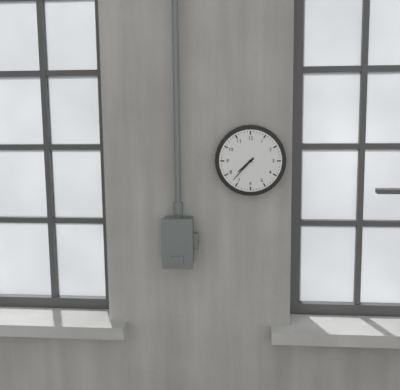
{"hour": 7, "minute": 37}
